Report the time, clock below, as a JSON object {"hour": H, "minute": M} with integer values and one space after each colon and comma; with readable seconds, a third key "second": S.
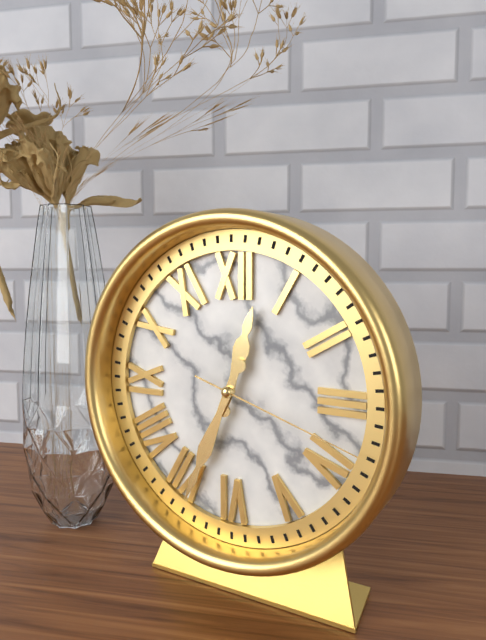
{"hour": 12, "minute": 34, "second": 18}
